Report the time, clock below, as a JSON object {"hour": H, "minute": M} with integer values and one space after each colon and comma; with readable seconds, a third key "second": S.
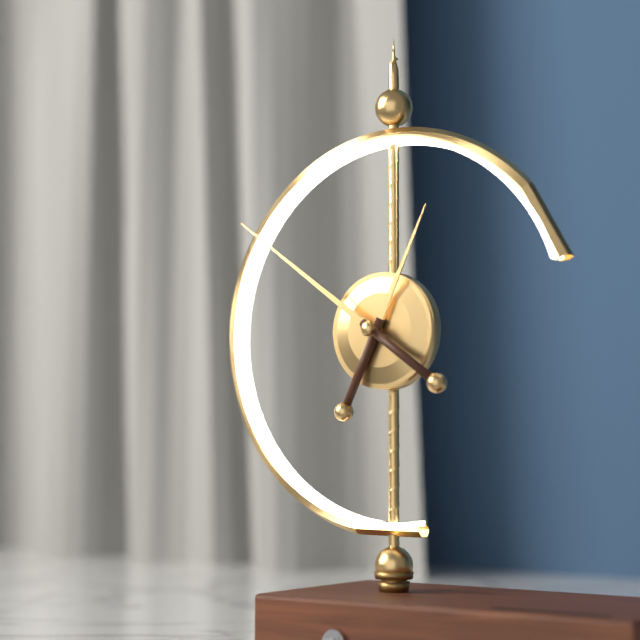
{"hour": 12, "minute": 51}
